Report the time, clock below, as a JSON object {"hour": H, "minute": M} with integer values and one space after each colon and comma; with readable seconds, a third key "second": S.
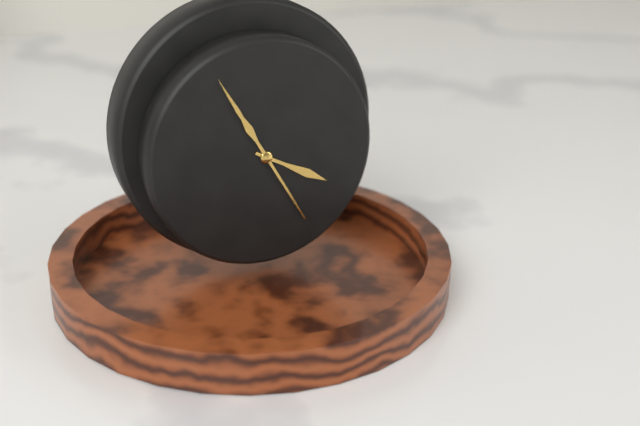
{"hour": 3, "minute": 55}
